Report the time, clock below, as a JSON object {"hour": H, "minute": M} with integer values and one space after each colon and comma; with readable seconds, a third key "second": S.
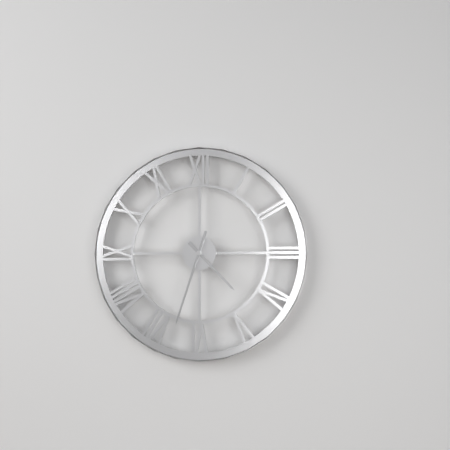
{"hour": 4, "minute": 33}
